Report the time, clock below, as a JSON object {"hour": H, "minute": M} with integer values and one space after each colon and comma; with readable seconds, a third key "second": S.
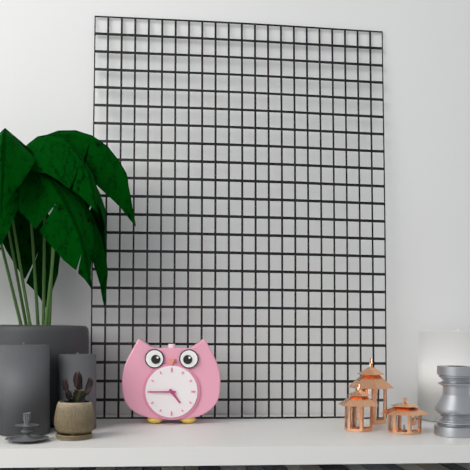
{"hour": 4, "minute": 45}
